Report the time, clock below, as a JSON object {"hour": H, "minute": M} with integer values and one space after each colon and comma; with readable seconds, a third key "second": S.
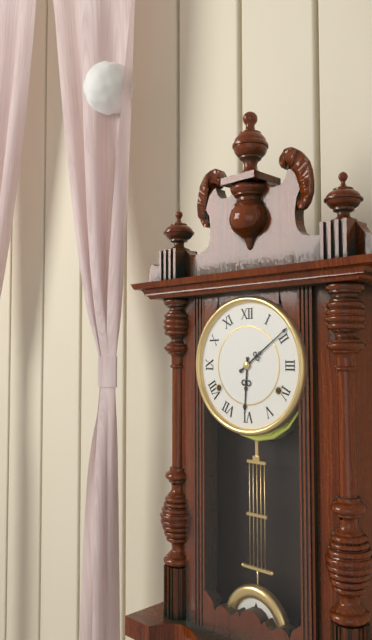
{"hour": 6, "minute": 9}
